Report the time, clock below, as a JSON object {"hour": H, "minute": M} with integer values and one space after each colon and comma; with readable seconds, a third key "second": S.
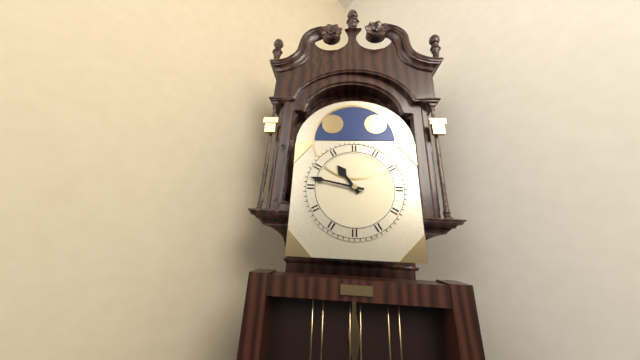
{"hour": 10, "minute": 47}
